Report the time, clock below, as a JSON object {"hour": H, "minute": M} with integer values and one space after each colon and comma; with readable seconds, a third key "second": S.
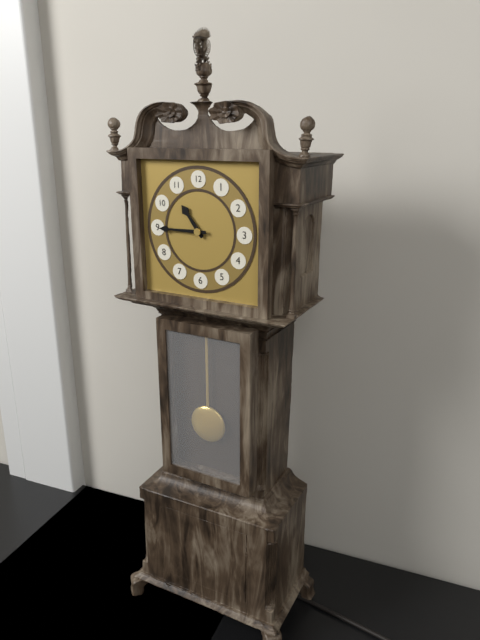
{"hour": 10, "minute": 45}
